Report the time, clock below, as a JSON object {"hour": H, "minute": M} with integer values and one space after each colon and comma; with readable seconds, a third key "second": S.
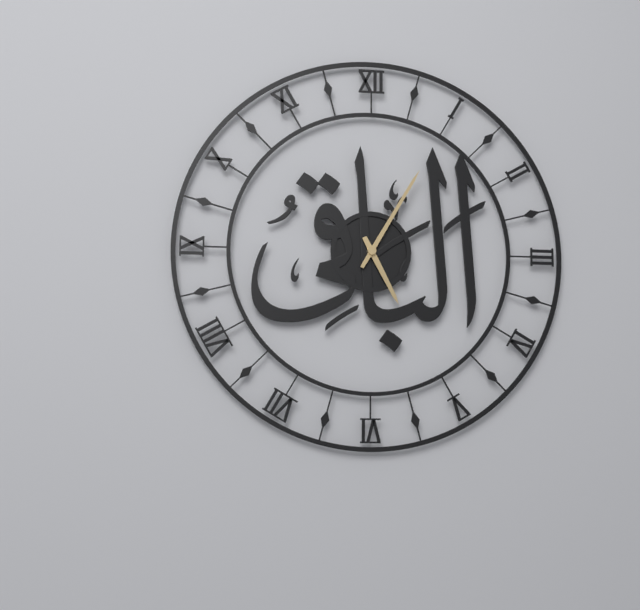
{"hour": 5, "minute": 5}
